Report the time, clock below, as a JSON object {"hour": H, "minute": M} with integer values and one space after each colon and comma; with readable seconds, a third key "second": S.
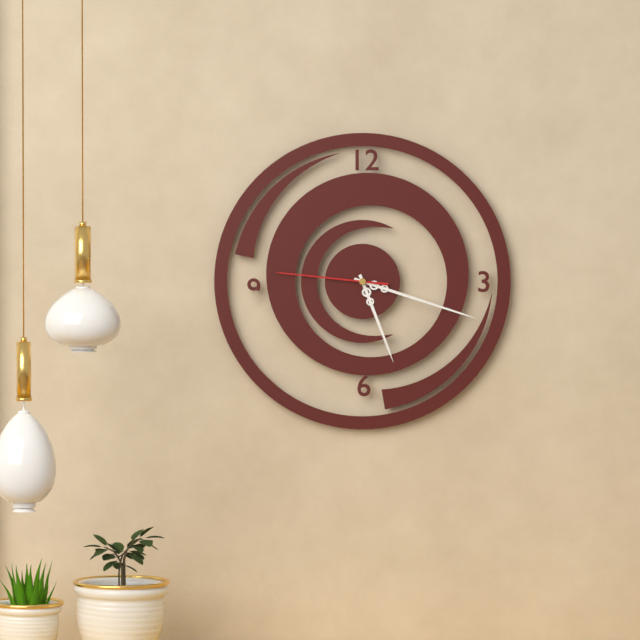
{"hour": 5, "minute": 18, "second": 46}
